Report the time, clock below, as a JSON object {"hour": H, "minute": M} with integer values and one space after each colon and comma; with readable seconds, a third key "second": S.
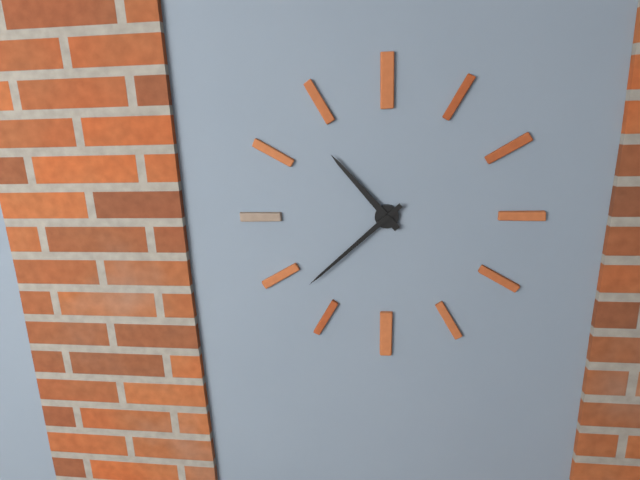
{"hour": 10, "minute": 38}
